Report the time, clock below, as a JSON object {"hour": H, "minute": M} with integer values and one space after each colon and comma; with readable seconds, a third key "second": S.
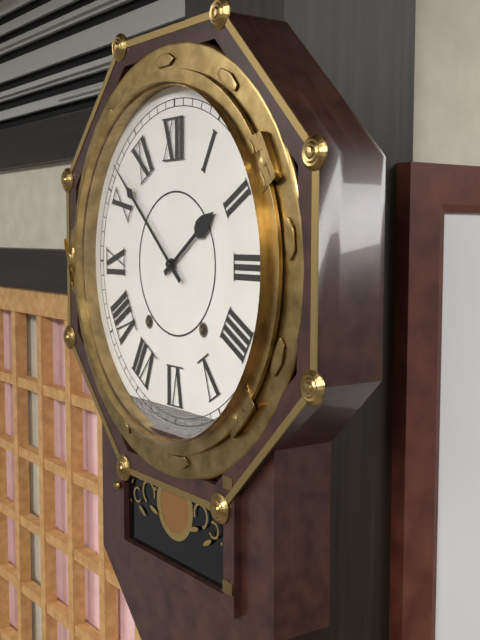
{"hour": 1, "minute": 52}
